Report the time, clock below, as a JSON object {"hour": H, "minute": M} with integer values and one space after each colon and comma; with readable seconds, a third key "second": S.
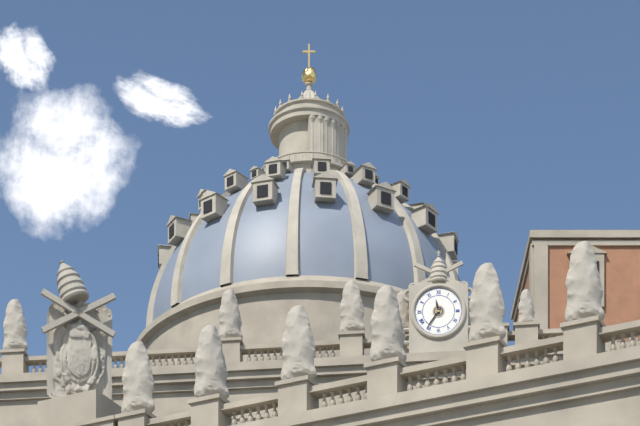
{"hour": 11, "minute": 36}
